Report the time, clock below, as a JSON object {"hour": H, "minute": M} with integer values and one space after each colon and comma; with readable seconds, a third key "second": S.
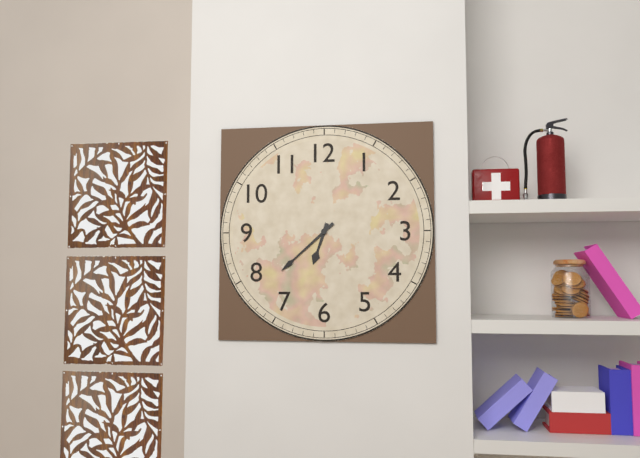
{"hour": 6, "minute": 38}
